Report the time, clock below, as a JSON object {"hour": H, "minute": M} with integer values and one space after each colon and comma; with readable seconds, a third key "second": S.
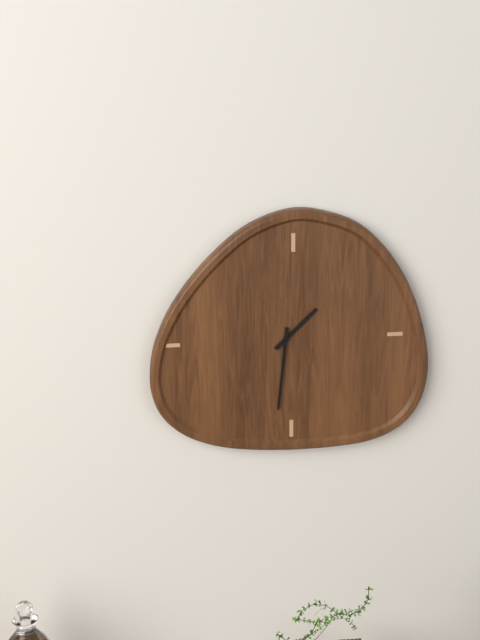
{"hour": 1, "minute": 31}
